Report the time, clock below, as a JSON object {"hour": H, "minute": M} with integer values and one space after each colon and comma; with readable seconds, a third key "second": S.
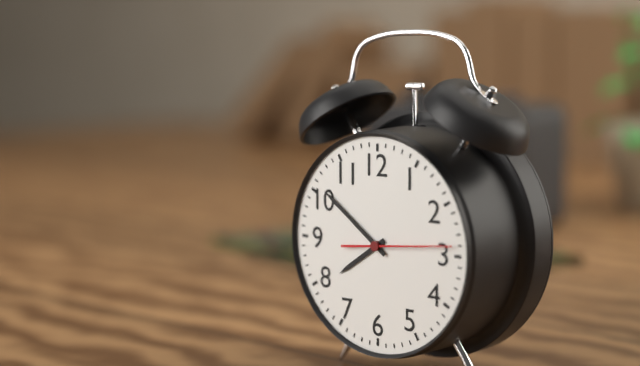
{"hour": 7, "minute": 51, "second": 14}
